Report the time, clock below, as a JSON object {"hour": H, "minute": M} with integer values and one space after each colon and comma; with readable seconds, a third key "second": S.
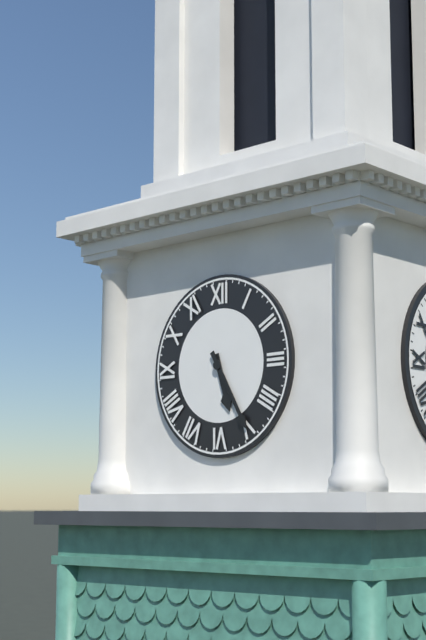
{"hour": 5, "minute": 25}
